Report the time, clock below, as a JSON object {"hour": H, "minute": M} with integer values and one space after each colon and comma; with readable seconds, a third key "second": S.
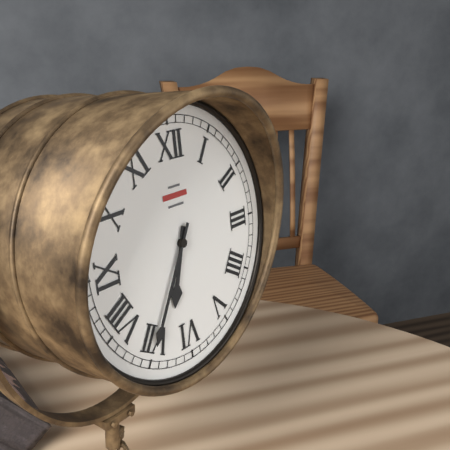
{"hour": 6, "minute": 35}
